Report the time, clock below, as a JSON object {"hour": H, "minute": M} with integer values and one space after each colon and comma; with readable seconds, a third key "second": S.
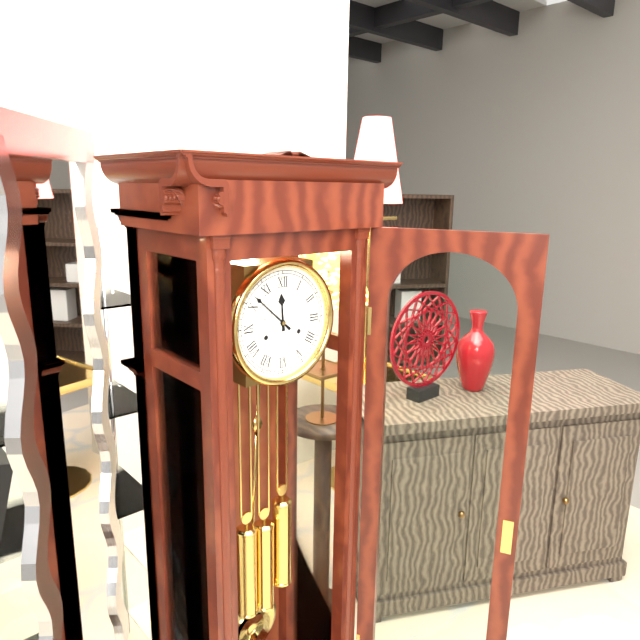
{"hour": 11, "minute": 52}
